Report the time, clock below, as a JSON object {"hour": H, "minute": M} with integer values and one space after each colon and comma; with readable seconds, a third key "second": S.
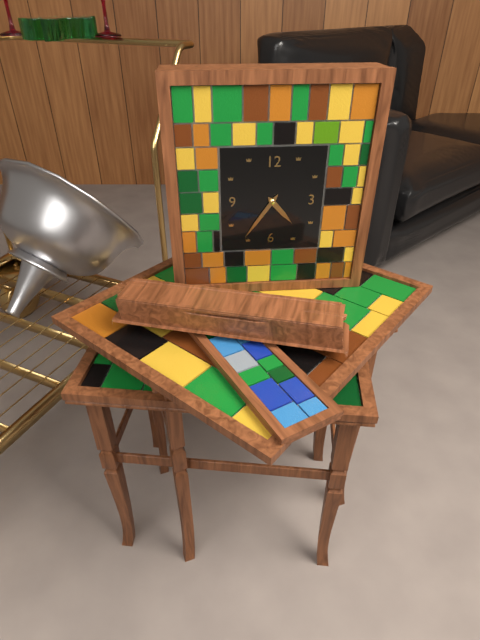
{"hour": 4, "minute": 36}
